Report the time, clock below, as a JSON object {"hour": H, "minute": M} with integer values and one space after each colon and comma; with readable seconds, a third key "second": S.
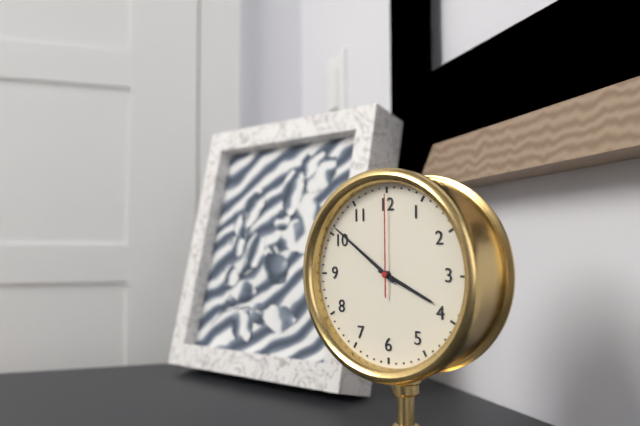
{"hour": 3, "minute": 51, "second": 0}
